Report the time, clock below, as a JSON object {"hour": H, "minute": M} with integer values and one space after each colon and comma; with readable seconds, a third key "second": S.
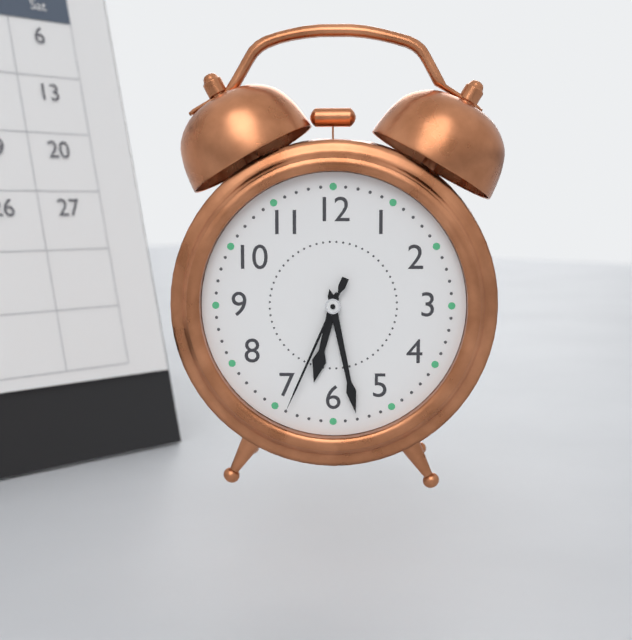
{"hour": 6, "minute": 28, "second": 34}
